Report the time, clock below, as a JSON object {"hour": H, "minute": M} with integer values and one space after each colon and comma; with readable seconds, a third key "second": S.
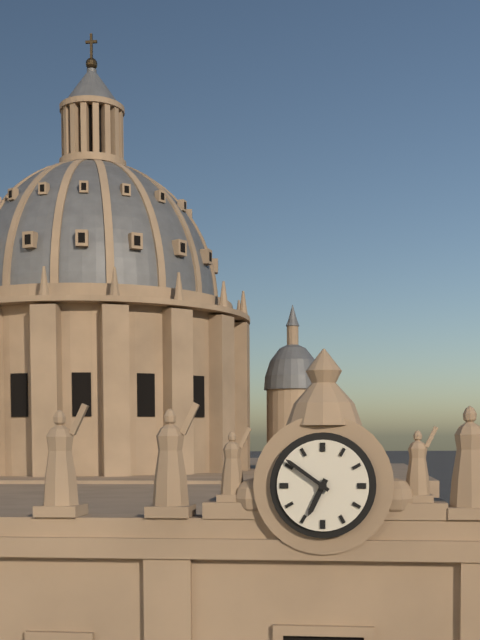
{"hour": 6, "minute": 51}
